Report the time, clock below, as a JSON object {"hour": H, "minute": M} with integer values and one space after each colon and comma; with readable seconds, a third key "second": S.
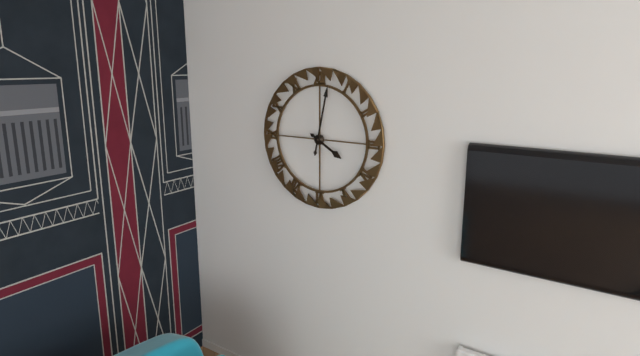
{"hour": 4, "minute": 2}
